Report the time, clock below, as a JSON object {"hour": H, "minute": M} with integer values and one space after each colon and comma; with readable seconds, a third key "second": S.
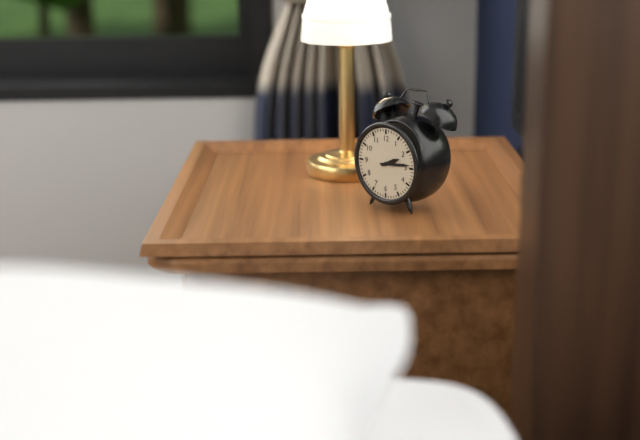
{"hour": 2, "minute": 14}
